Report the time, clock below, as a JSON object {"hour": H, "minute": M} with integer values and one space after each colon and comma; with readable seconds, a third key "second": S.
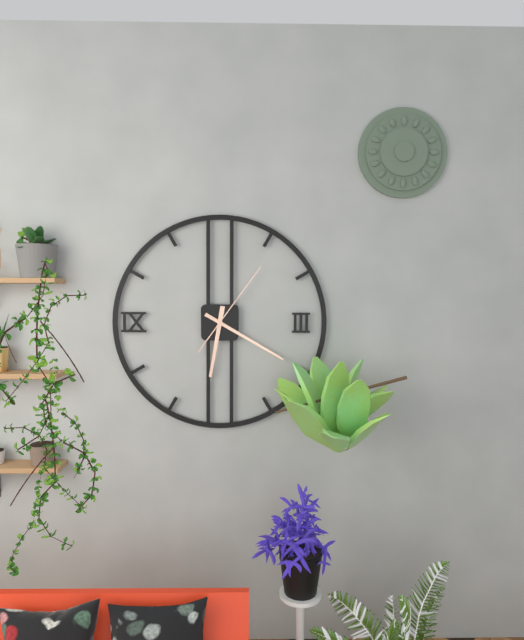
{"hour": 6, "minute": 20, "second": 6}
